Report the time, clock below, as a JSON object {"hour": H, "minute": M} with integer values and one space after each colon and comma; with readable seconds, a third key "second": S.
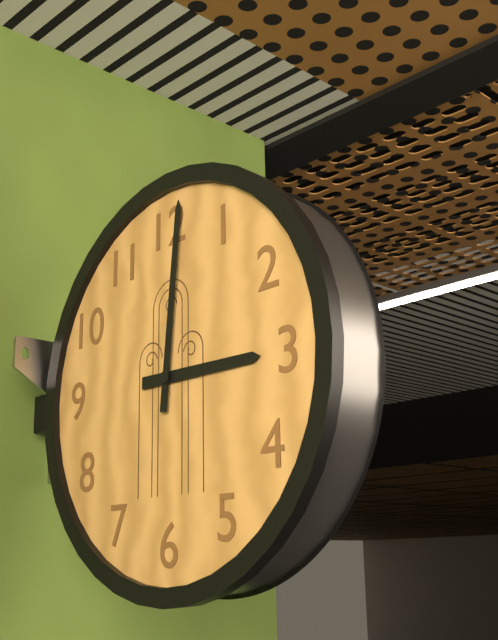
{"hour": 3, "minute": 1}
